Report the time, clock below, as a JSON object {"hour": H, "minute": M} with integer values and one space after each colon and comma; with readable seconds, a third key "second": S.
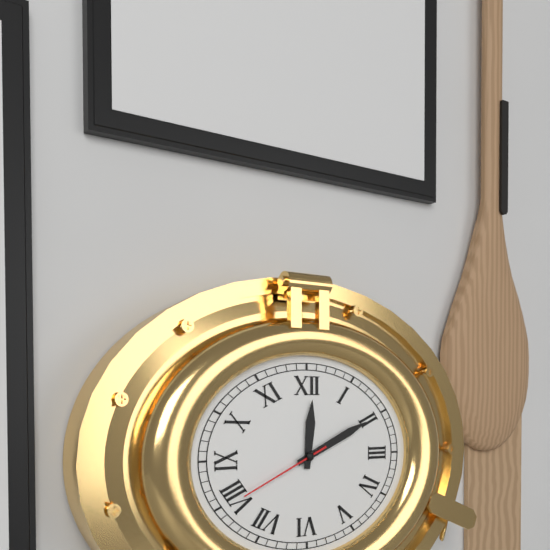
{"hour": 12, "minute": 11, "second": 41}
